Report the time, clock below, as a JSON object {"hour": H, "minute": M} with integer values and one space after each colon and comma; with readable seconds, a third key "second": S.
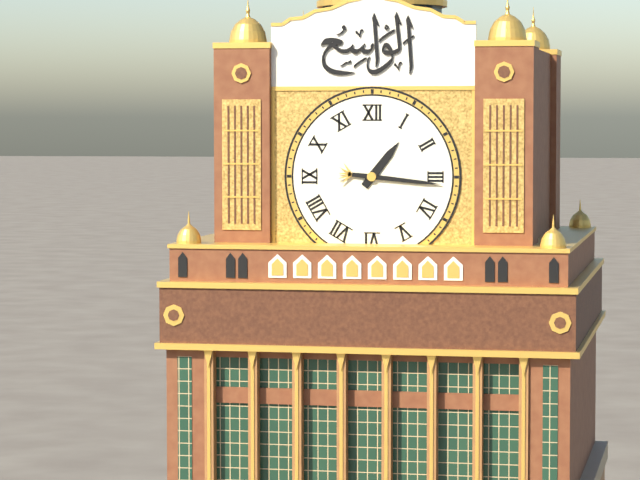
{"hour": 1, "minute": 16}
